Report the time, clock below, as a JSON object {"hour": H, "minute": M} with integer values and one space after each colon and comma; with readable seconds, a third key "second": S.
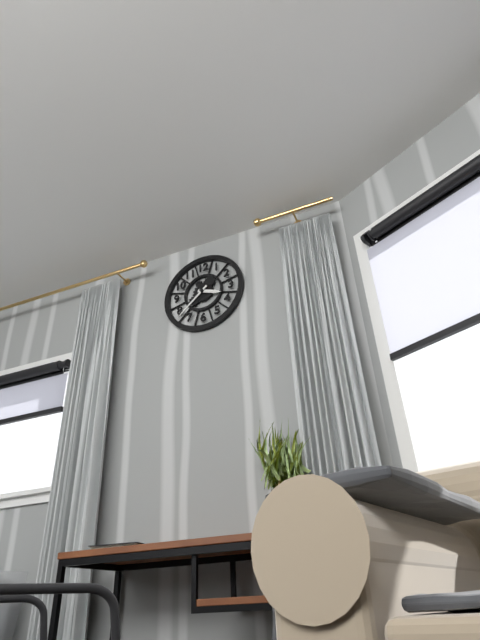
{"hour": 3, "minute": 38}
